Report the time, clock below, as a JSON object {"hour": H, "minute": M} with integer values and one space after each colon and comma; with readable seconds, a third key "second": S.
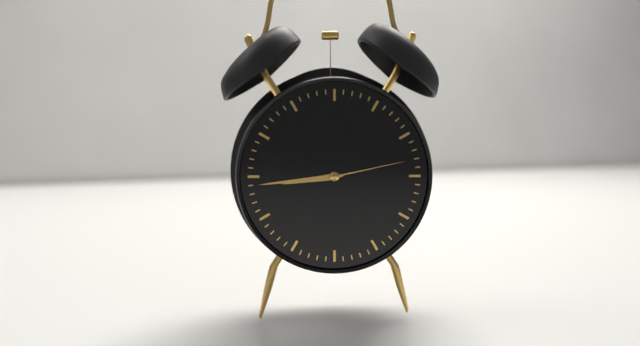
{"hour": 8, "minute": 44, "second": 13}
